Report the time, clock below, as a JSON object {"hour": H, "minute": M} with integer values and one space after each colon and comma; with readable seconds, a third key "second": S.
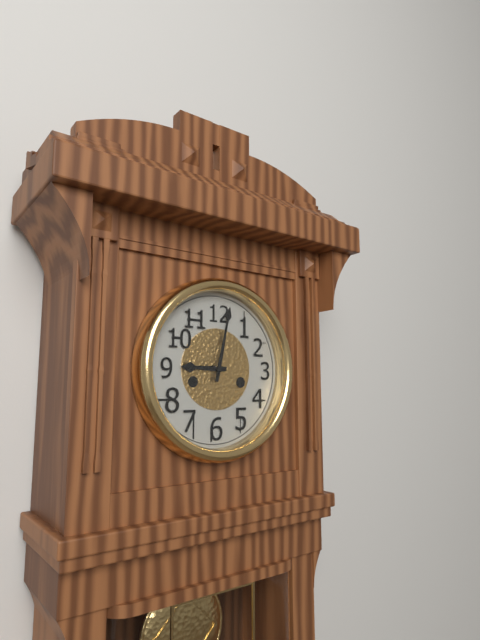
{"hour": 9, "minute": 2}
